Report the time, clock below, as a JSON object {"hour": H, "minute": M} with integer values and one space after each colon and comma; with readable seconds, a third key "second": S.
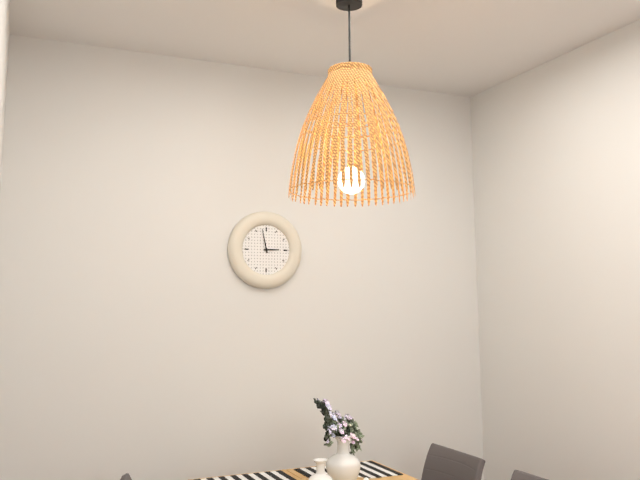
{"hour": 2, "minute": 58}
